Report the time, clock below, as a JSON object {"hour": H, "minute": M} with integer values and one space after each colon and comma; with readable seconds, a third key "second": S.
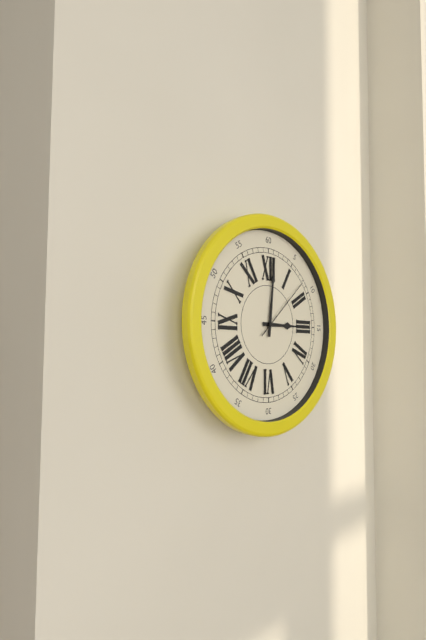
{"hour": 3, "minute": 1, "second": 8}
